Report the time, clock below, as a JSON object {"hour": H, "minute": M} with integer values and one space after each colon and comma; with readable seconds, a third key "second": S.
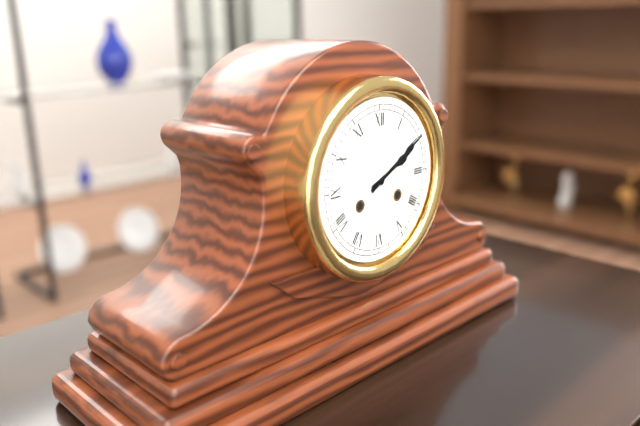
{"hour": 2, "minute": 10}
